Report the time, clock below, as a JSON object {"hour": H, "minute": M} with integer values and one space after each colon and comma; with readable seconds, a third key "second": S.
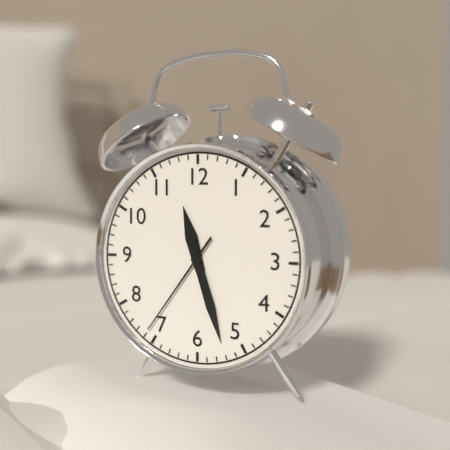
{"hour": 11, "minute": 27, "second": 36}
